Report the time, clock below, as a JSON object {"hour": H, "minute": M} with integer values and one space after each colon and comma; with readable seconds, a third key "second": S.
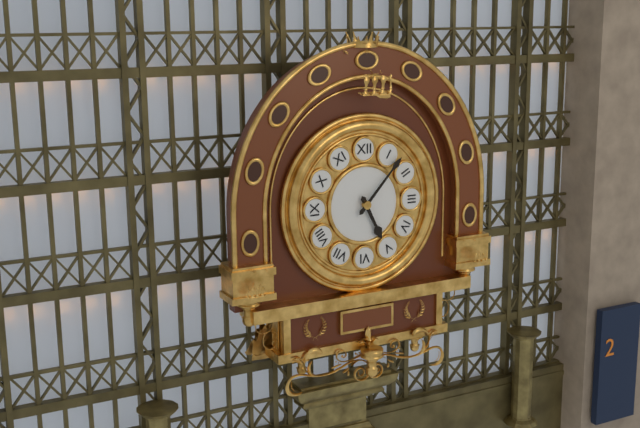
{"hour": 5, "minute": 7}
